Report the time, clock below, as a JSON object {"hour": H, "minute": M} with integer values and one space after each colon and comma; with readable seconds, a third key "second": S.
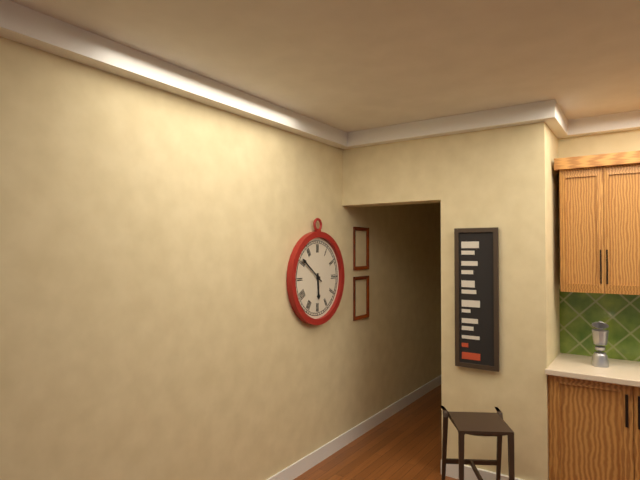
{"hour": 5, "minute": 51}
